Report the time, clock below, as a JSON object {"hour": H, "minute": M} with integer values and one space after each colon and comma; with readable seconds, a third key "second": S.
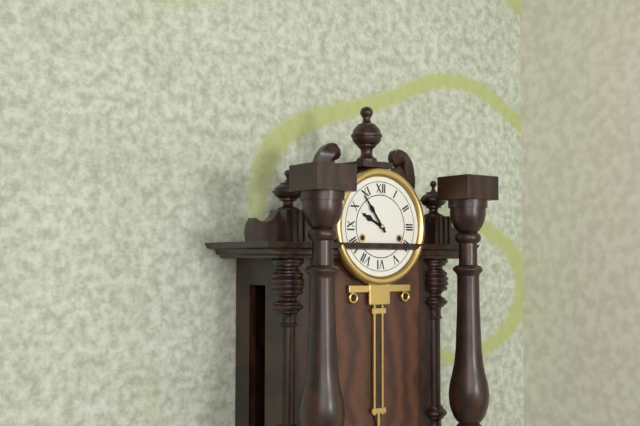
{"hour": 9, "minute": 54}
